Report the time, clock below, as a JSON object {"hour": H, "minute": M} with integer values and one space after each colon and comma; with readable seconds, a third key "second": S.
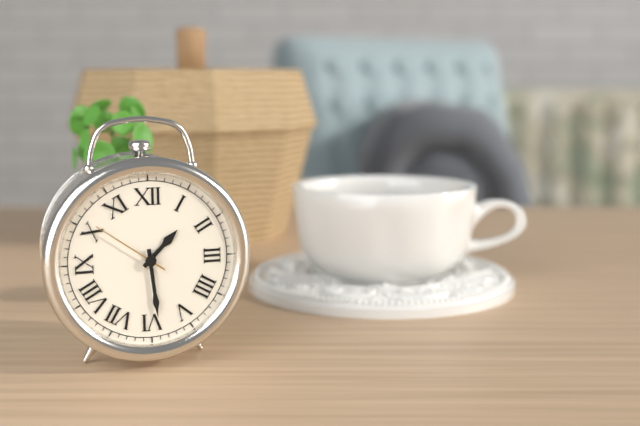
{"hour": 1, "minute": 29, "second": 51}
